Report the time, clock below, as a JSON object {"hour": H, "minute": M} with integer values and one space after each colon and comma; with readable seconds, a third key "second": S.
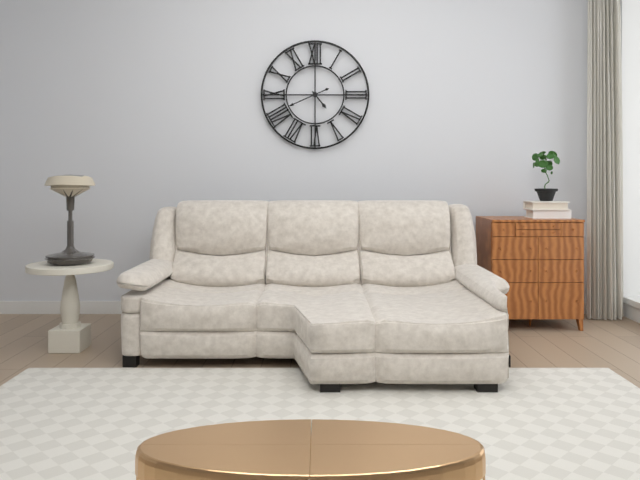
{"hour": 4, "minute": 41}
